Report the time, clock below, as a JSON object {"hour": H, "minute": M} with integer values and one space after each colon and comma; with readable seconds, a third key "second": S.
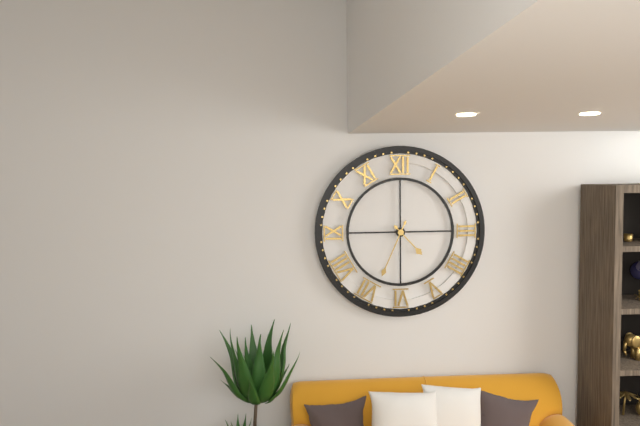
{"hour": 4, "minute": 34}
